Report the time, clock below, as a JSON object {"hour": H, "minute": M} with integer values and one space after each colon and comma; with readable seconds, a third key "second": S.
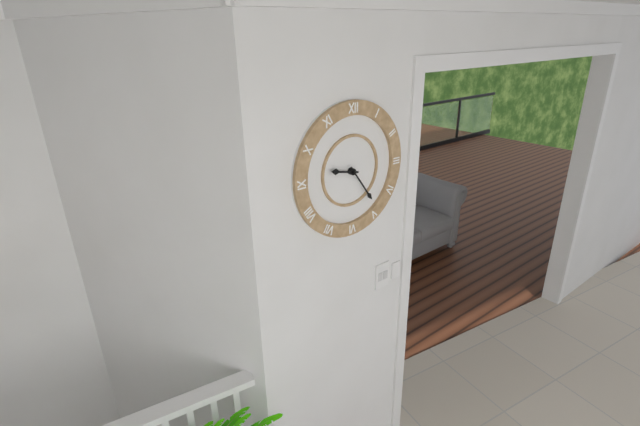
{"hour": 9, "minute": 24}
